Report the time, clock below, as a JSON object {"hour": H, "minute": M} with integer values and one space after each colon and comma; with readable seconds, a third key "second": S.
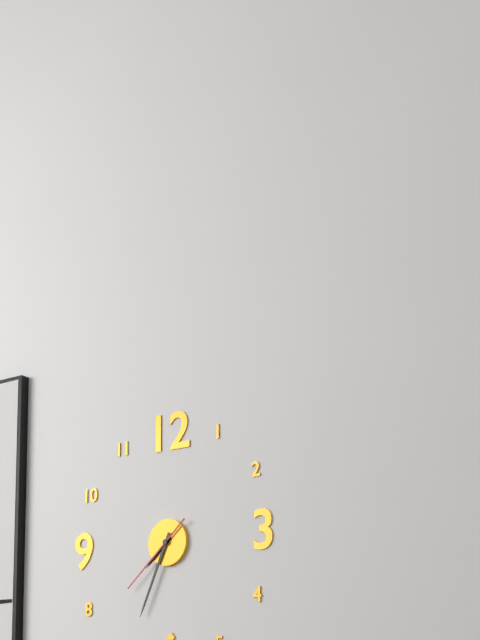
{"hour": 7, "minute": 34, "second": 38}
